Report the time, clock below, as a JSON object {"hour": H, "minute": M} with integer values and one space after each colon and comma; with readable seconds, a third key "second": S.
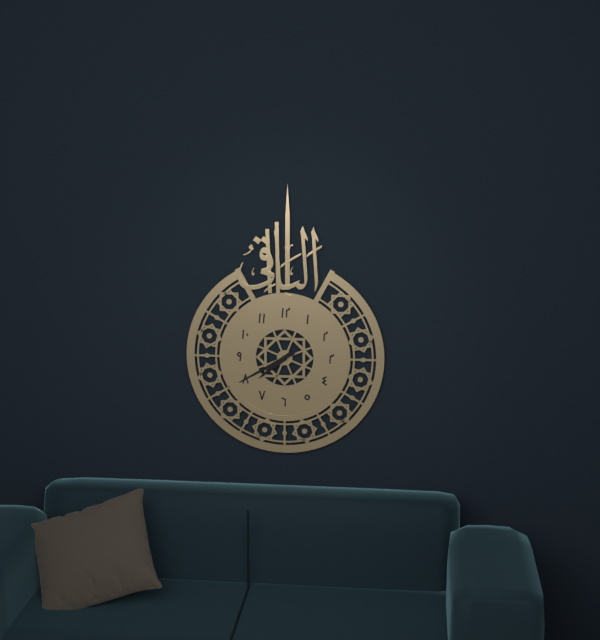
{"hour": 7, "minute": 40}
